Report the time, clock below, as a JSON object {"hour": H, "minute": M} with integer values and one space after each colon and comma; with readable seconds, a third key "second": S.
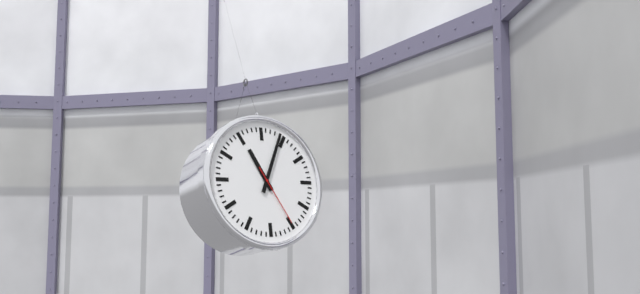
{"hour": 11, "minute": 4, "second": 25}
